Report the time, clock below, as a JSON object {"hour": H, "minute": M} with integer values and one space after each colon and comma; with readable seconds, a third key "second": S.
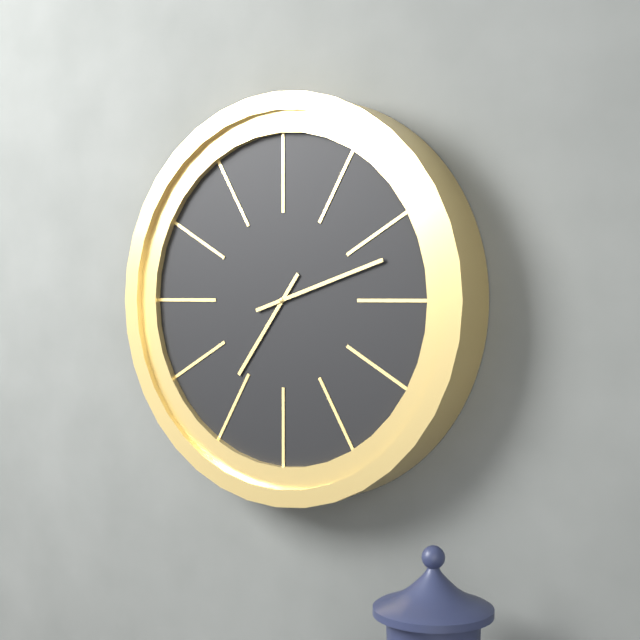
{"hour": 7, "minute": 12}
